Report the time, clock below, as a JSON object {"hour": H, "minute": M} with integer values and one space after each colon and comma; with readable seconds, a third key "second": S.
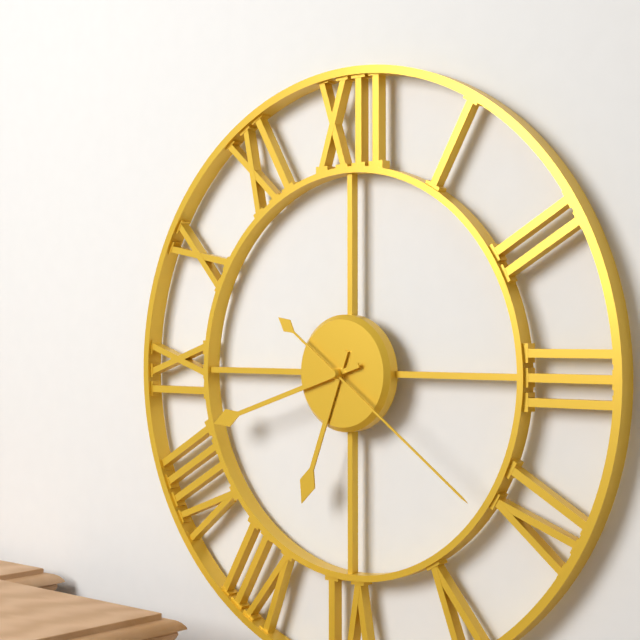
{"hour": 6, "minute": 42, "second": 21}
